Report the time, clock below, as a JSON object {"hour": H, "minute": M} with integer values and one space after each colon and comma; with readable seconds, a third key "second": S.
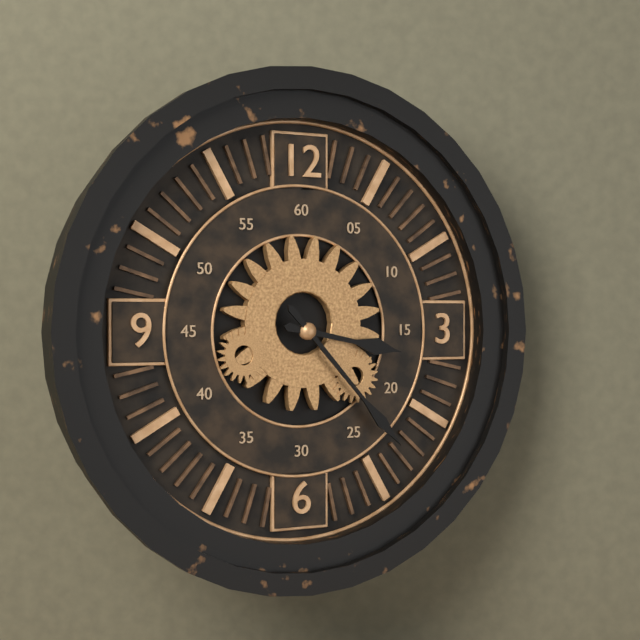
{"hour": 3, "minute": 23}
